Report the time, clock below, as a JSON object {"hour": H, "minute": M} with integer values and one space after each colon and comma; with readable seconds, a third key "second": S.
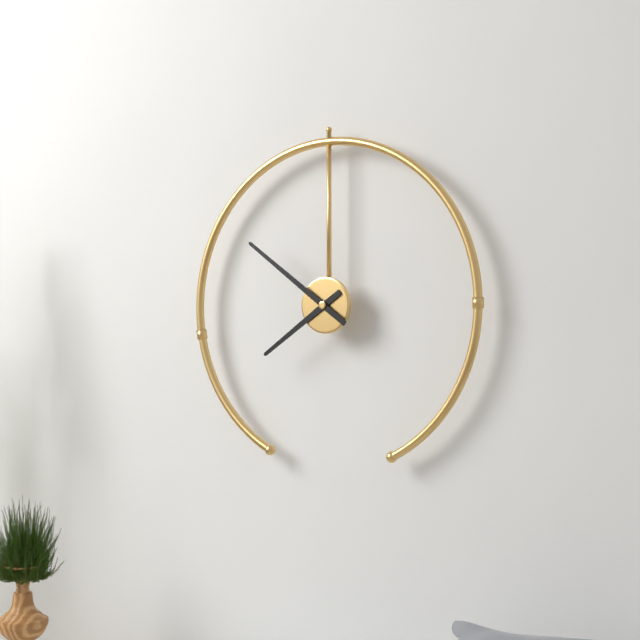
{"hour": 7, "minute": 51}
